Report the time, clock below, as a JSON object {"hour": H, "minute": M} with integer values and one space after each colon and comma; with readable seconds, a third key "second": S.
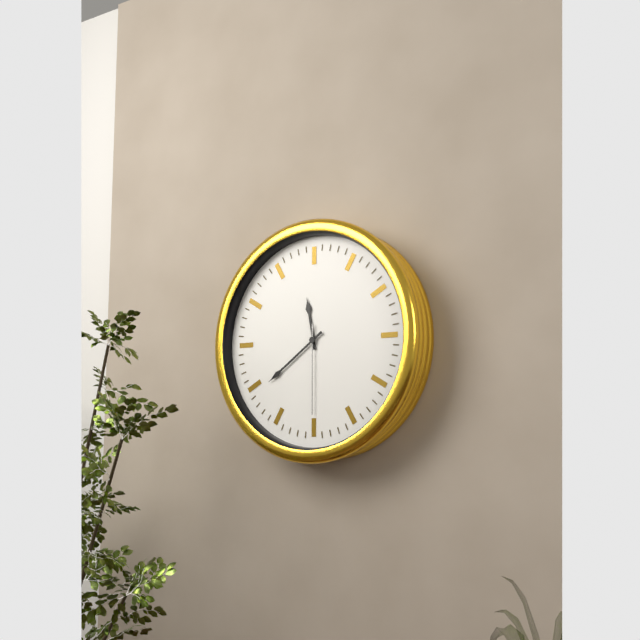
{"hour": 11, "minute": 39, "second": 30}
